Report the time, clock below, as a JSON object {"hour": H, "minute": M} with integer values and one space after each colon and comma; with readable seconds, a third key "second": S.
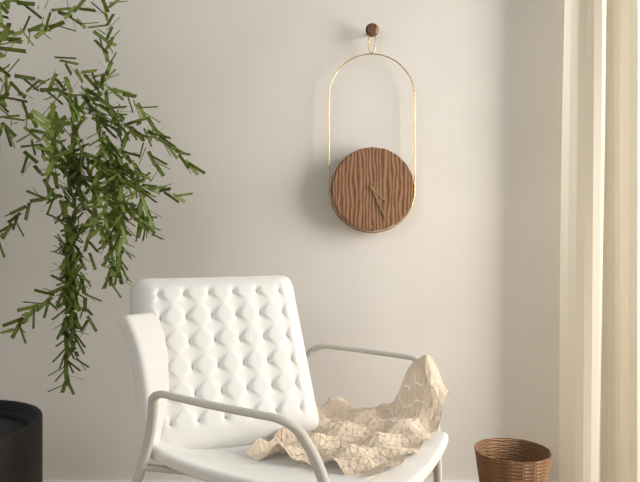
{"hour": 4, "minute": 26}
